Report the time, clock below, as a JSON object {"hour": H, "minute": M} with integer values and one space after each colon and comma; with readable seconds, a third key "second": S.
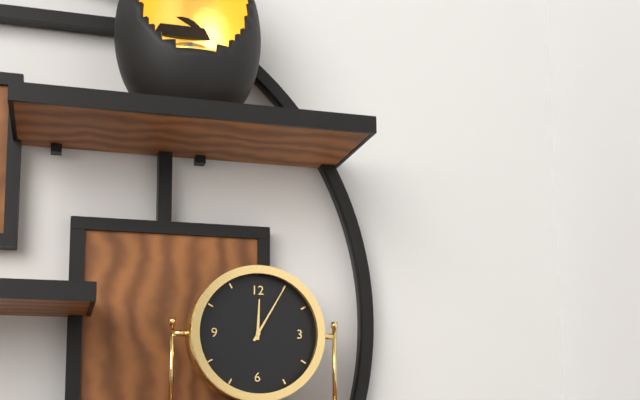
{"hour": 12, "minute": 5}
